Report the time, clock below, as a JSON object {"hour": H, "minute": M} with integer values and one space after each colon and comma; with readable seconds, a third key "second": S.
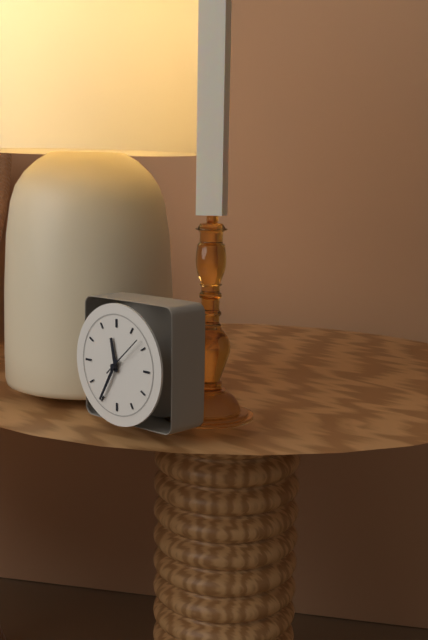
{"hour": 11, "minute": 35}
